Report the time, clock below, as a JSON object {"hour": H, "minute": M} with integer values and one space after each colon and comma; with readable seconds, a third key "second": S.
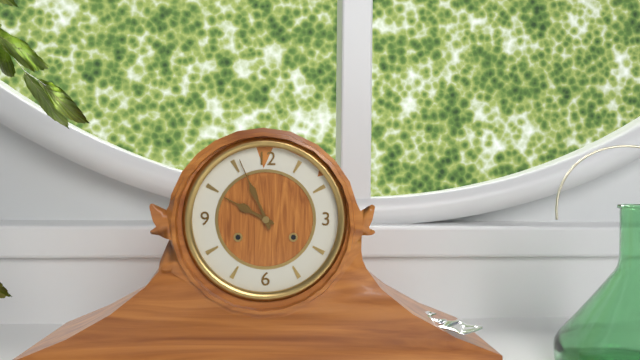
{"hour": 9, "minute": 56}
